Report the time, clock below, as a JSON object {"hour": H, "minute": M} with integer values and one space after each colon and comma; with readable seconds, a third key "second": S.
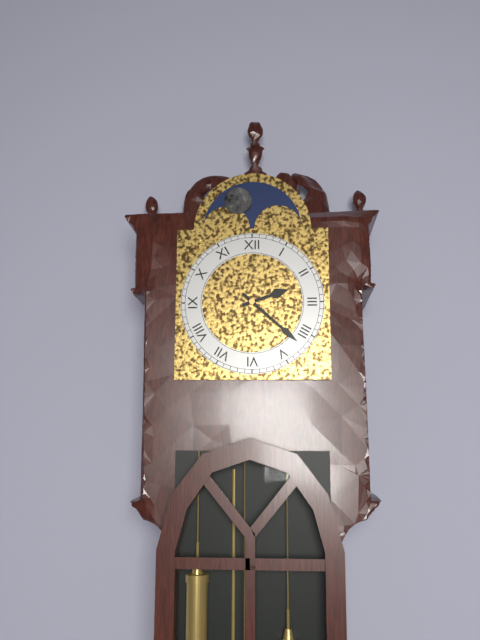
{"hour": 2, "minute": 22}
